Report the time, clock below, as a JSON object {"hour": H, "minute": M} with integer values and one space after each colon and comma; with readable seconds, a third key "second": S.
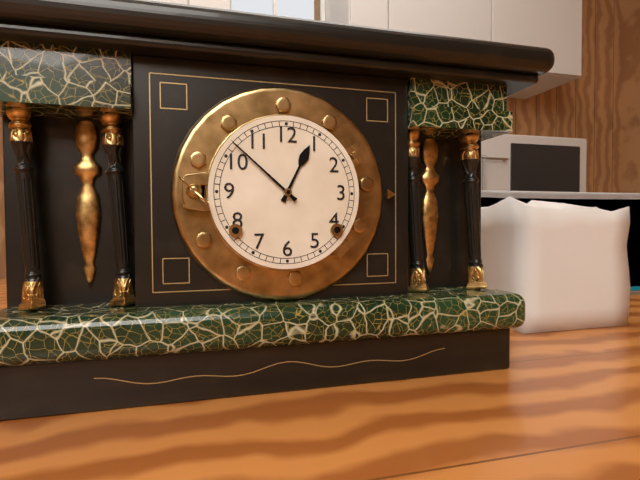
{"hour": 12, "minute": 52}
